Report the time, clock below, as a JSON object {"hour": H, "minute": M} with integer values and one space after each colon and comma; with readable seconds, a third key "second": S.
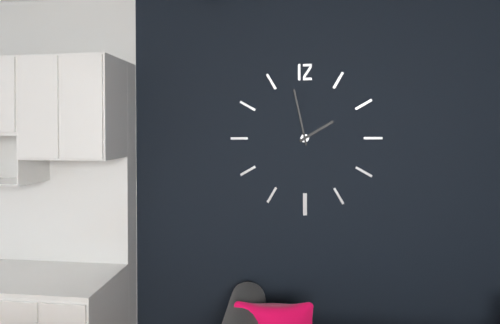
{"hour": 1, "minute": 58}
